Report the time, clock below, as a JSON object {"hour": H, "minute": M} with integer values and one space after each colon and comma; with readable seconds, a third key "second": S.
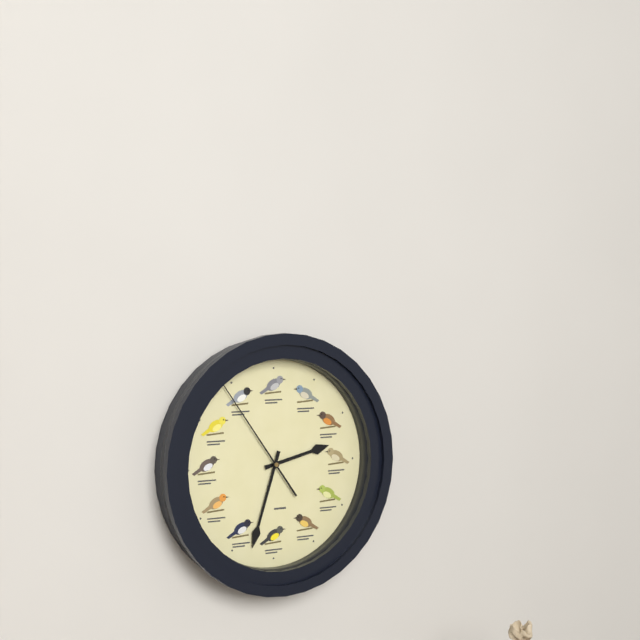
{"hour": 2, "minute": 33, "second": 54}
